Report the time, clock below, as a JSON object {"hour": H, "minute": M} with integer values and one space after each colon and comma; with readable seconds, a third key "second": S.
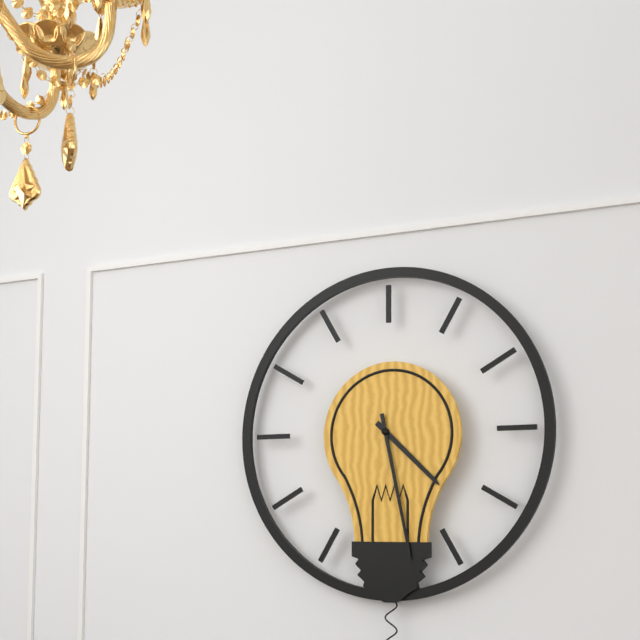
{"hour": 4, "minute": 28}
